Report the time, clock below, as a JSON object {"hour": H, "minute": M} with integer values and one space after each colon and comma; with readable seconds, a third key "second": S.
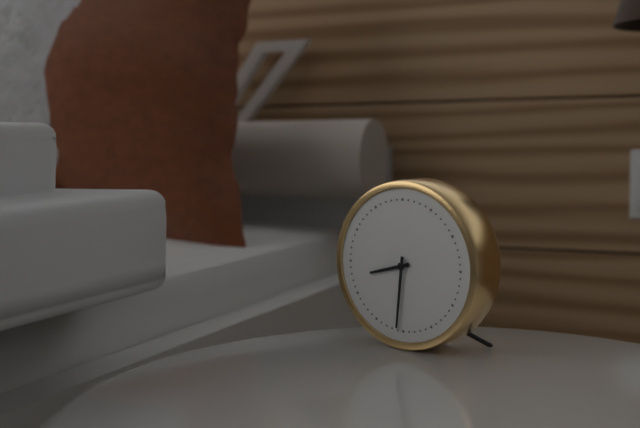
{"hour": 8, "minute": 31}
